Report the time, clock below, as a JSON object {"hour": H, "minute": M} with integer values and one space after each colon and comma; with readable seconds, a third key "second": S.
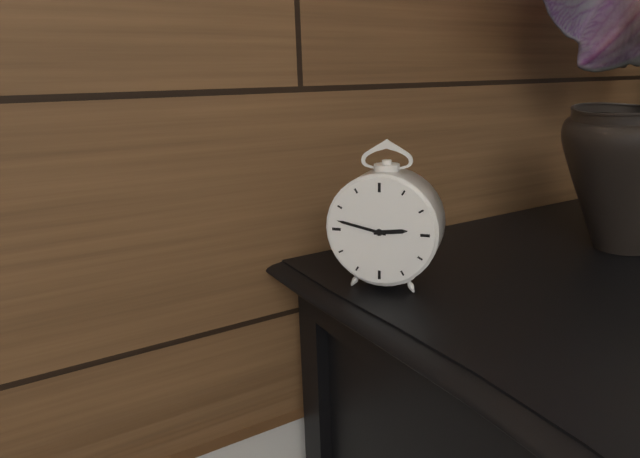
{"hour": 2, "minute": 47}
